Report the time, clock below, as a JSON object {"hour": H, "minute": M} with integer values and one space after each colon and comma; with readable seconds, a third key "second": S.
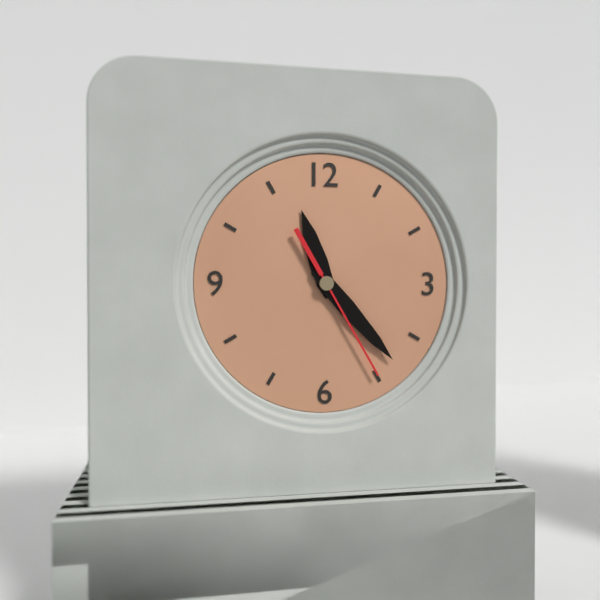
{"hour": 11, "minute": 23, "second": 25}
